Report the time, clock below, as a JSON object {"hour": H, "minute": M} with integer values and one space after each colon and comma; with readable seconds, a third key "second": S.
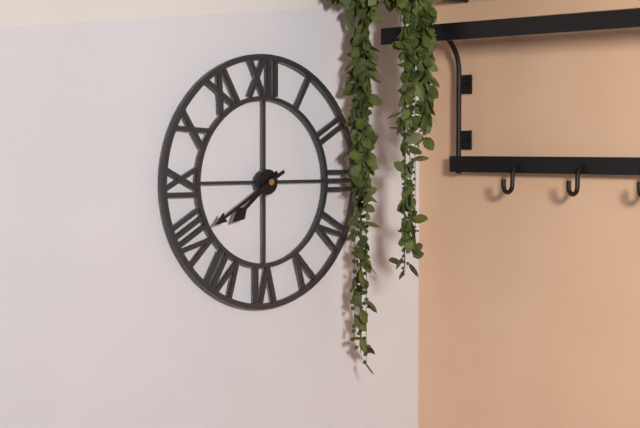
{"hour": 7, "minute": 40}
